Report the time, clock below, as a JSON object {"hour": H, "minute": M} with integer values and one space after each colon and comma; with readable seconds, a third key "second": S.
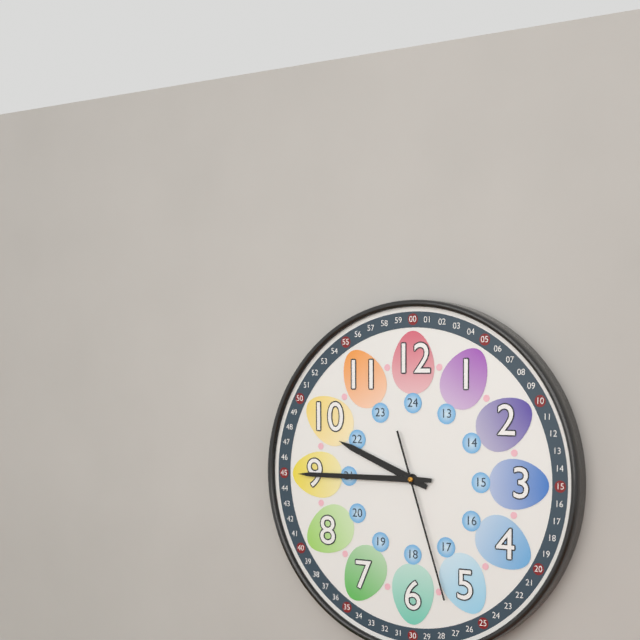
{"hour": 9, "minute": 45, "second": 27}
